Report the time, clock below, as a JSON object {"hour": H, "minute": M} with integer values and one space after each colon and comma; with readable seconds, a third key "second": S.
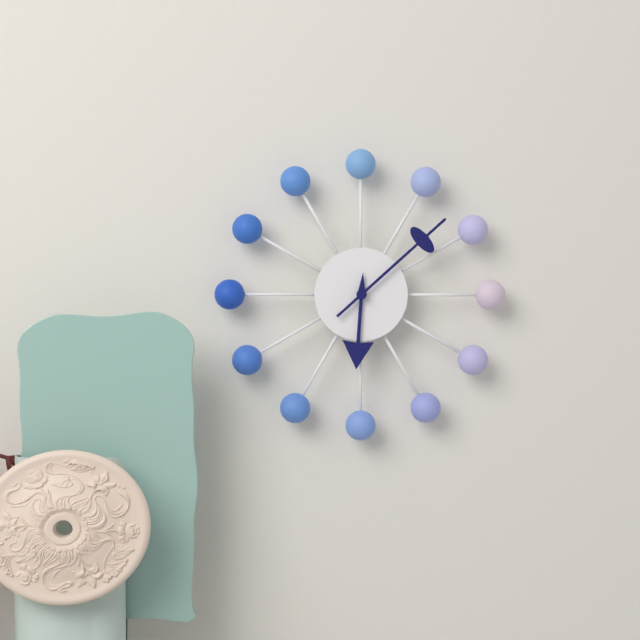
{"hour": 6, "minute": 8}
